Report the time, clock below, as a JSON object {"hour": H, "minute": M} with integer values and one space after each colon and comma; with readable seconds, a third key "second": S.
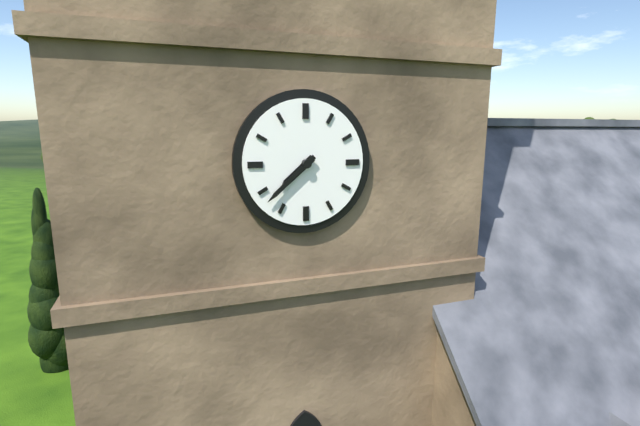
{"hour": 7, "minute": 38}
